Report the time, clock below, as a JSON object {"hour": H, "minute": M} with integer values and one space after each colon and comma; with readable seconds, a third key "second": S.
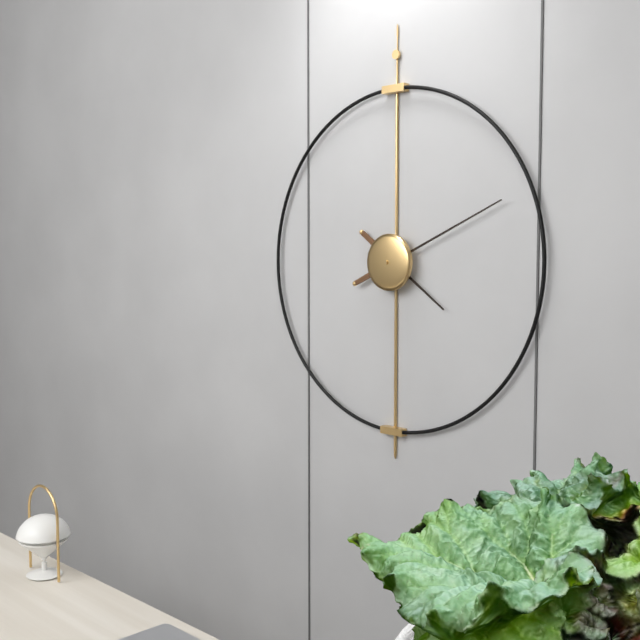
{"hour": 4, "minute": 11}
